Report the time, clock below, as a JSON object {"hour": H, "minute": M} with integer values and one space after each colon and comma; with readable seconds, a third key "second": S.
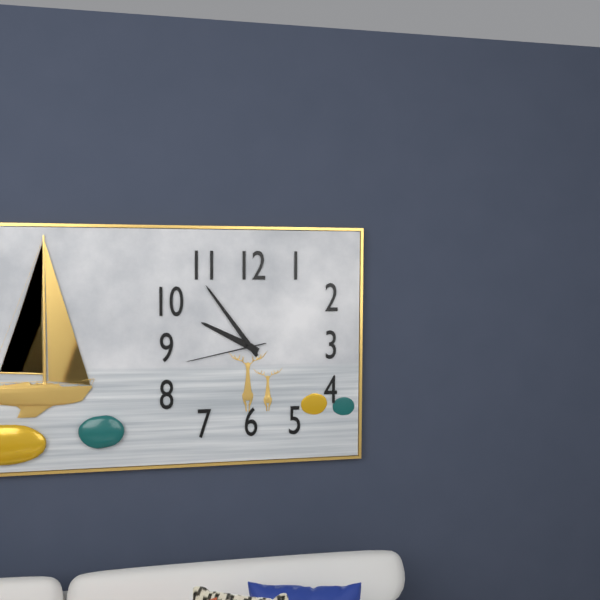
{"hour": 9, "minute": 54, "second": 43}
